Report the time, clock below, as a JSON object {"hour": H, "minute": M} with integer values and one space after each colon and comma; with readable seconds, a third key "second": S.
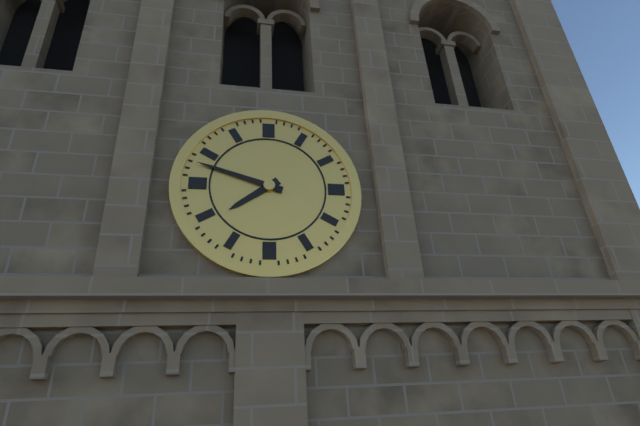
{"hour": 7, "minute": 48}
